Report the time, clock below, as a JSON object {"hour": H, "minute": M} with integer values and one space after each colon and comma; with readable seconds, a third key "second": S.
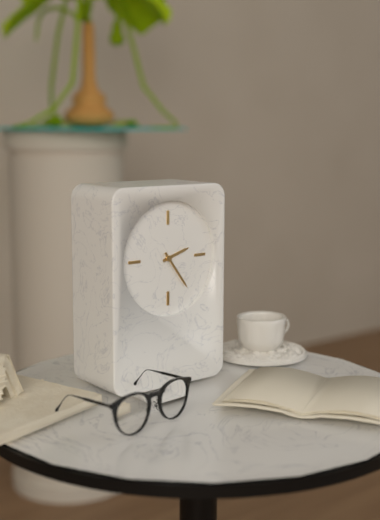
{"hour": 2, "minute": 24}
